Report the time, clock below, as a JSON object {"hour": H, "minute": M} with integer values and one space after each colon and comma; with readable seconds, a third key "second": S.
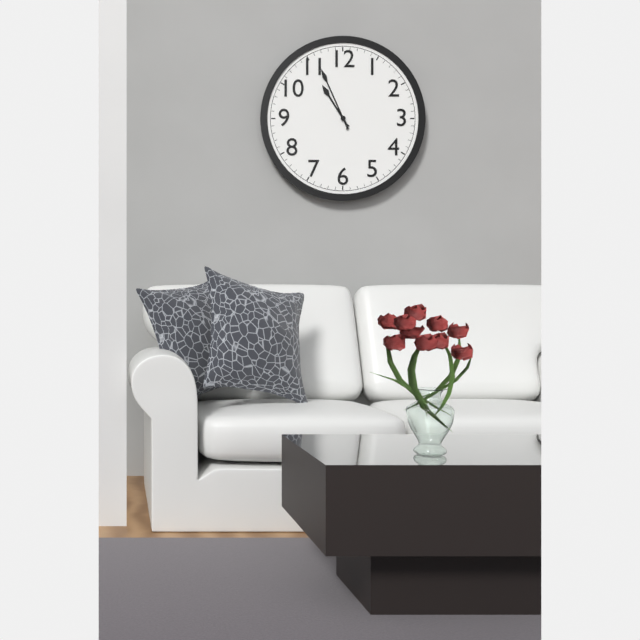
{"hour": 10, "minute": 56}
